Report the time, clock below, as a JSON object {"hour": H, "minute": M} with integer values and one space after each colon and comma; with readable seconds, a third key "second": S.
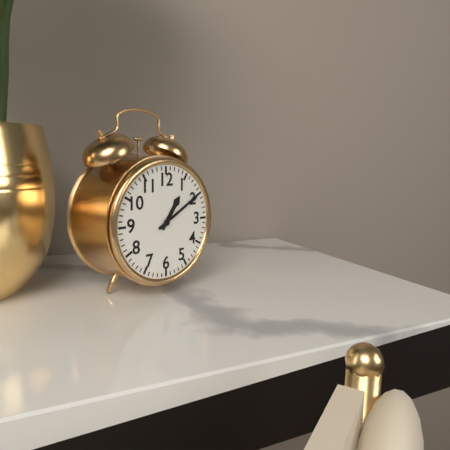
{"hour": 1, "minute": 10}
